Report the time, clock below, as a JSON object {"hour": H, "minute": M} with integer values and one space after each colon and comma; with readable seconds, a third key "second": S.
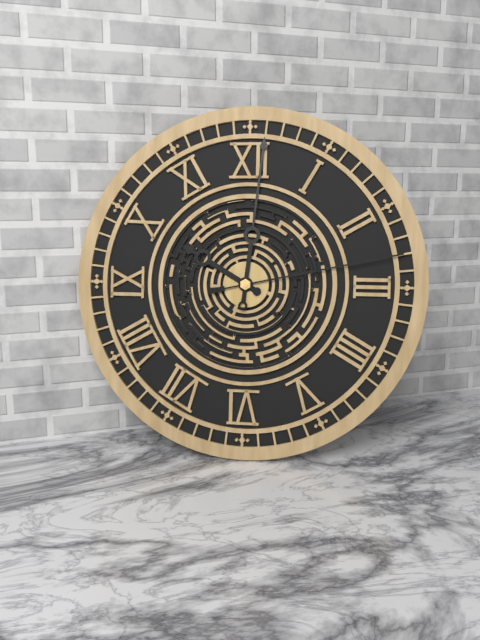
{"hour": 10, "minute": 1, "second": 13}
